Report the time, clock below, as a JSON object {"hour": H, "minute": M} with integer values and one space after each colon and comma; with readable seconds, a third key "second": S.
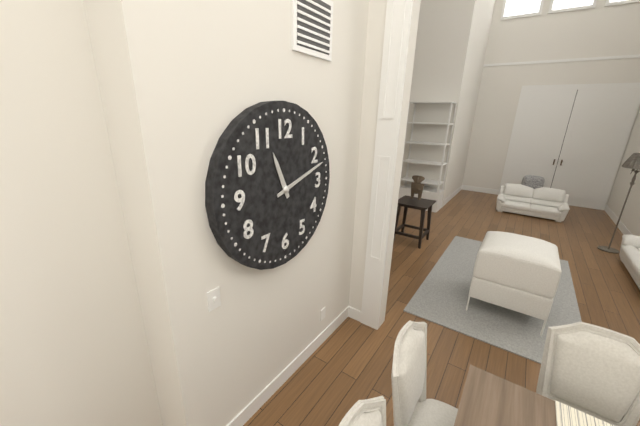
{"hour": 11, "minute": 12}
